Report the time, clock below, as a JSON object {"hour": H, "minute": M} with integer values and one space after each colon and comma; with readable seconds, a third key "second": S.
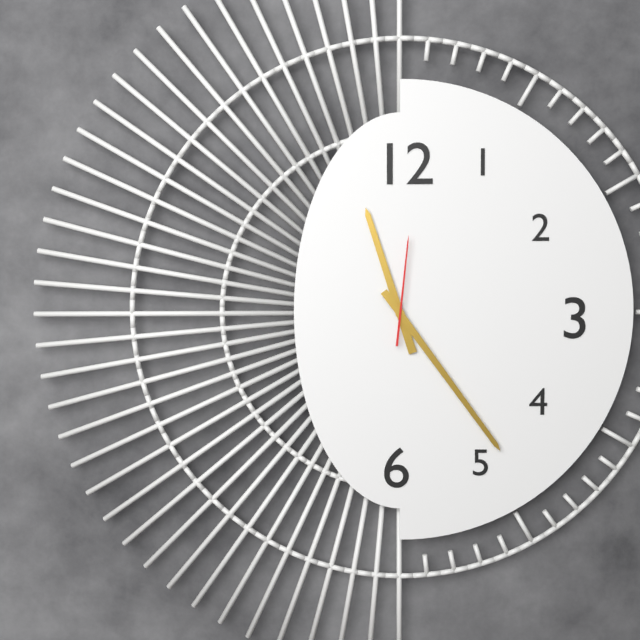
{"hour": 11, "minute": 24, "second": 1}
